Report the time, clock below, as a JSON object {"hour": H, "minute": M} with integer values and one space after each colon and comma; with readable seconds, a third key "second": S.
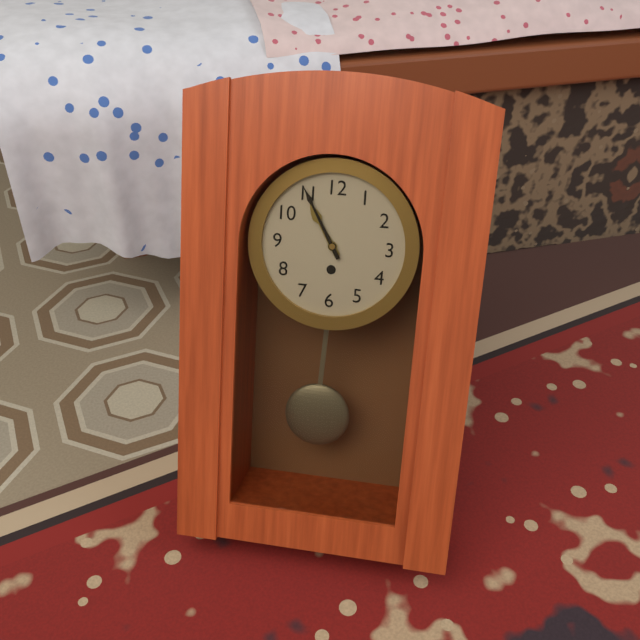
{"hour": 10, "minute": 55}
